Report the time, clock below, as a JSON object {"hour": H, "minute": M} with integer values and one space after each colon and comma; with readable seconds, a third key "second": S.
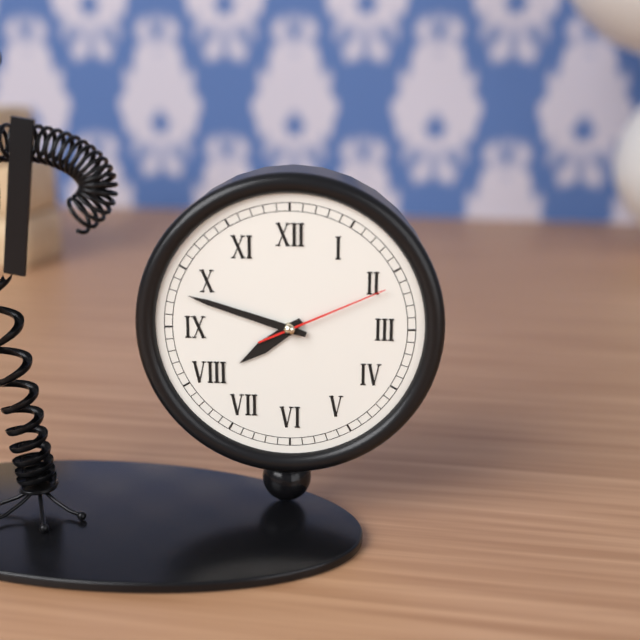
{"hour": 7, "minute": 48, "second": 11}
